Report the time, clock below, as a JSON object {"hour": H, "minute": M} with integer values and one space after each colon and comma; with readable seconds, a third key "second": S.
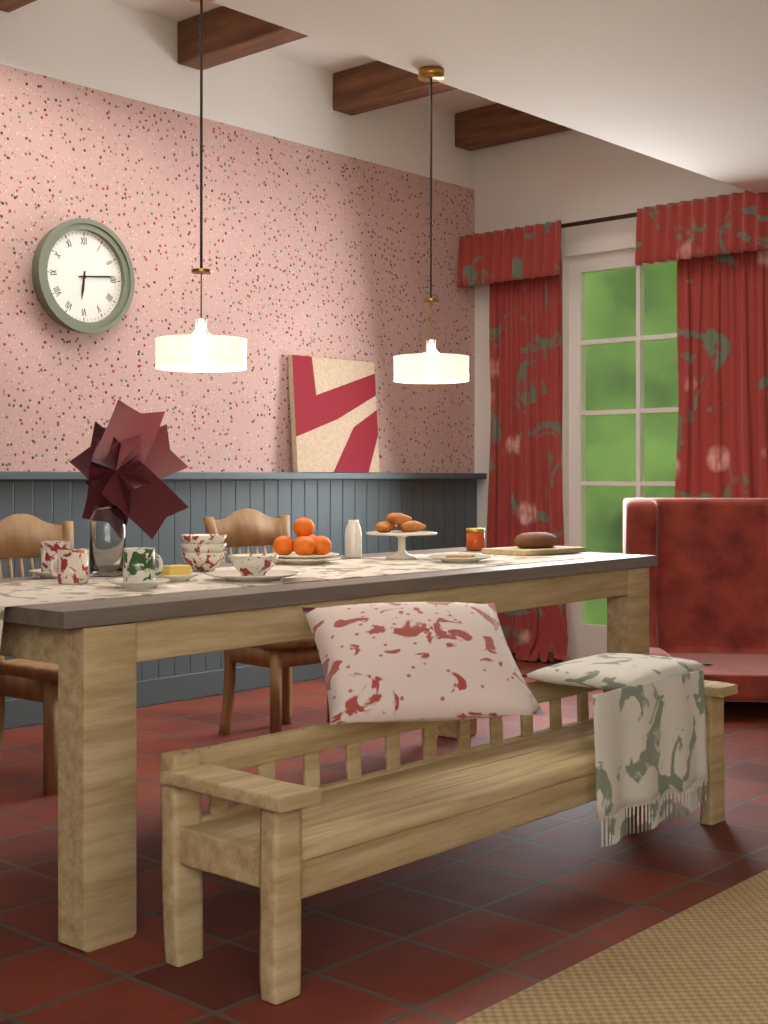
{"hour": 6, "minute": 14}
